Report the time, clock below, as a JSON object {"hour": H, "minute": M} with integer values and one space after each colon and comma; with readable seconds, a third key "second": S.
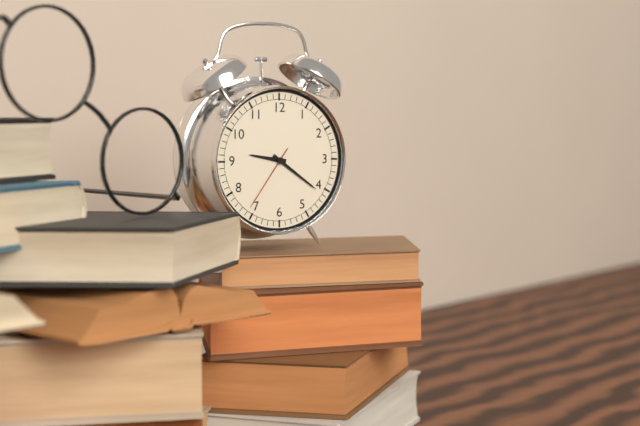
{"hour": 9, "minute": 21, "second": 36}
